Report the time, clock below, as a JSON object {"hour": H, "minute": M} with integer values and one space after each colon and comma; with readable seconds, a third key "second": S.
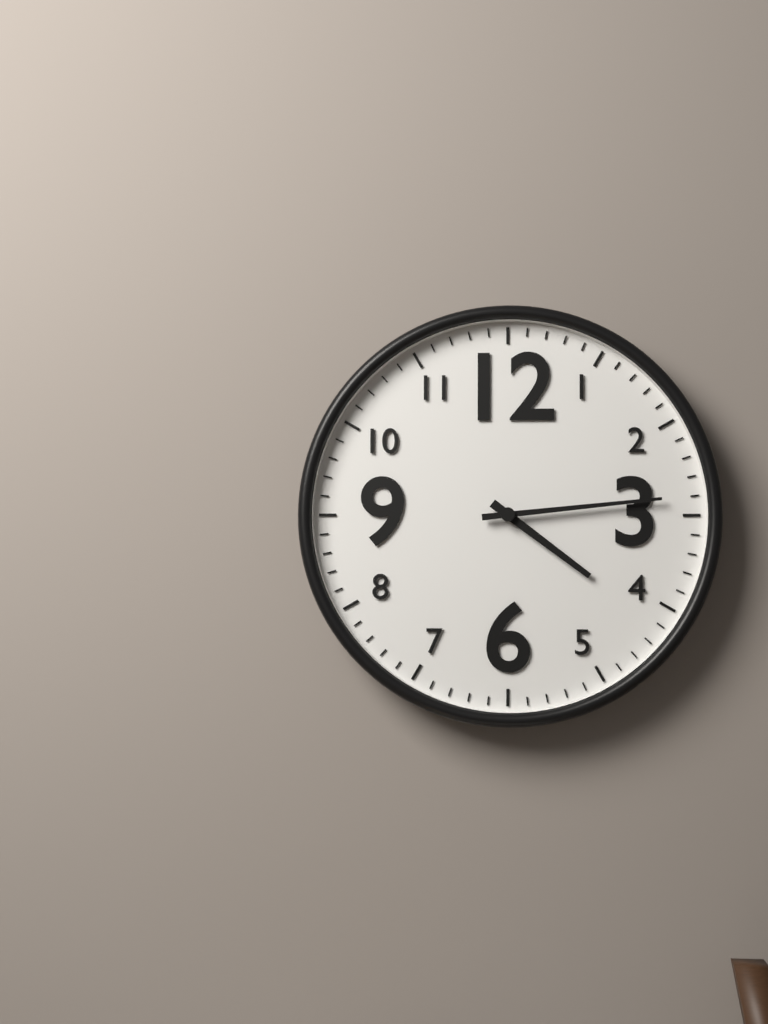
{"hour": 4, "minute": 14}
